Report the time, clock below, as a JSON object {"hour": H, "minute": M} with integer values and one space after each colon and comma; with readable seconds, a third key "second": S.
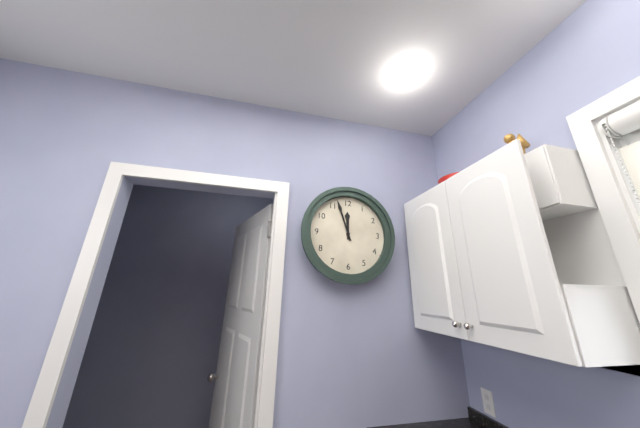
{"hour": 11, "minute": 57}
